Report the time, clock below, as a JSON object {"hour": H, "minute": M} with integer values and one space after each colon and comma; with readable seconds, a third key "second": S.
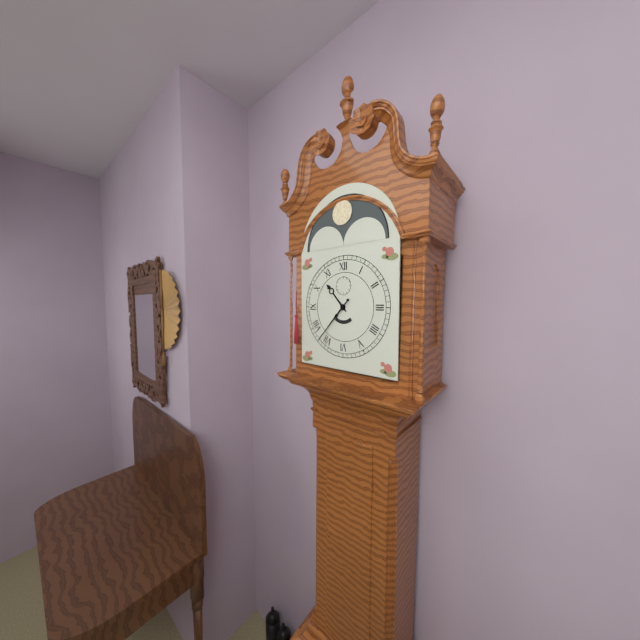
{"hour": 10, "minute": 37}
